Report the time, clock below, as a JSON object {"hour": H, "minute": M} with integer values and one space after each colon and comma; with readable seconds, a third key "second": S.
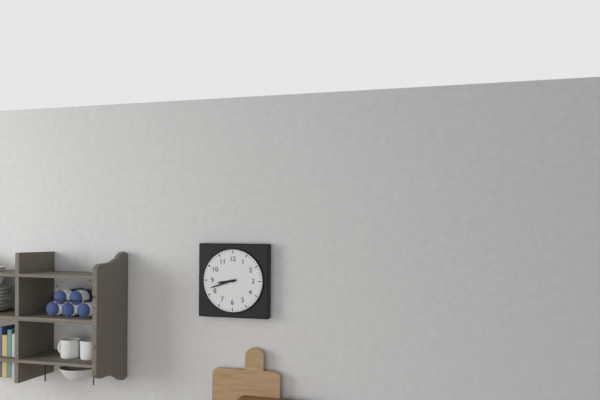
{"hour": 8, "minute": 42}
